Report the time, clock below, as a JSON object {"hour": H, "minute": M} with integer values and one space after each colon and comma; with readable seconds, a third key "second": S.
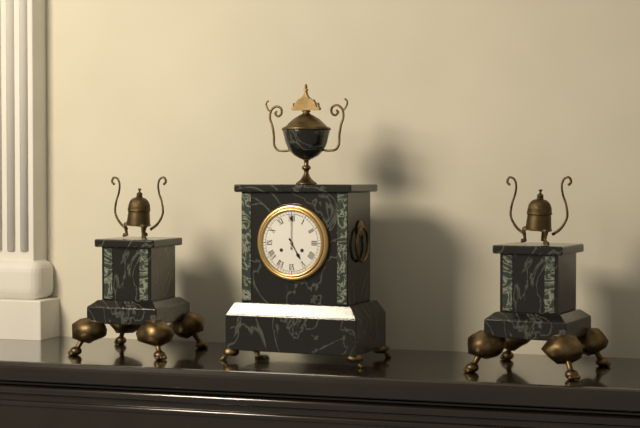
{"hour": 5, "minute": 0}
